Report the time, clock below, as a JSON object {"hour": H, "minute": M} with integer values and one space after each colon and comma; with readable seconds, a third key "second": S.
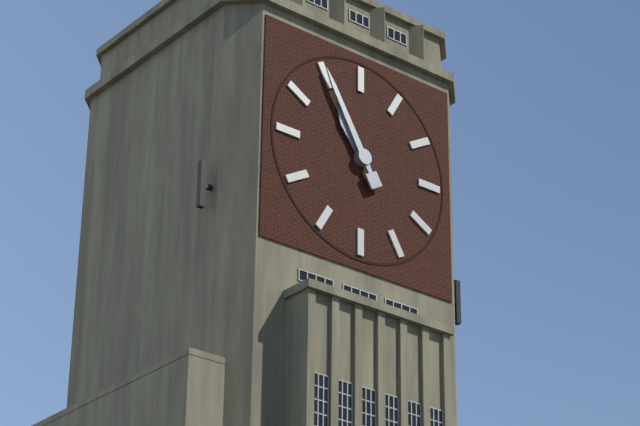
{"hour": 10, "minute": 55}
